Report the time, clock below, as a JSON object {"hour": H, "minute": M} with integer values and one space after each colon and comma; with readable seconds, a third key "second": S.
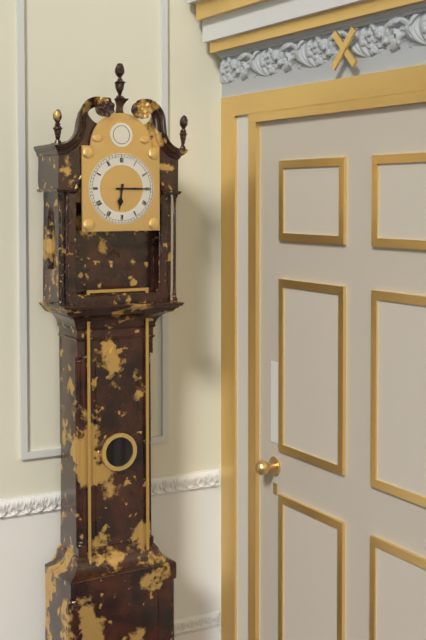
{"hour": 6, "minute": 15}
